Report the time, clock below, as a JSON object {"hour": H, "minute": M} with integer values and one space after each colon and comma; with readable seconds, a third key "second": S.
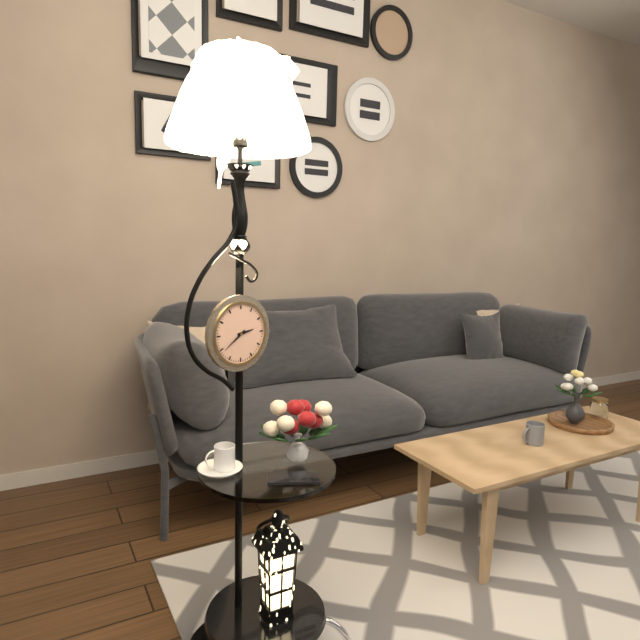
{"hour": 2, "minute": 39}
